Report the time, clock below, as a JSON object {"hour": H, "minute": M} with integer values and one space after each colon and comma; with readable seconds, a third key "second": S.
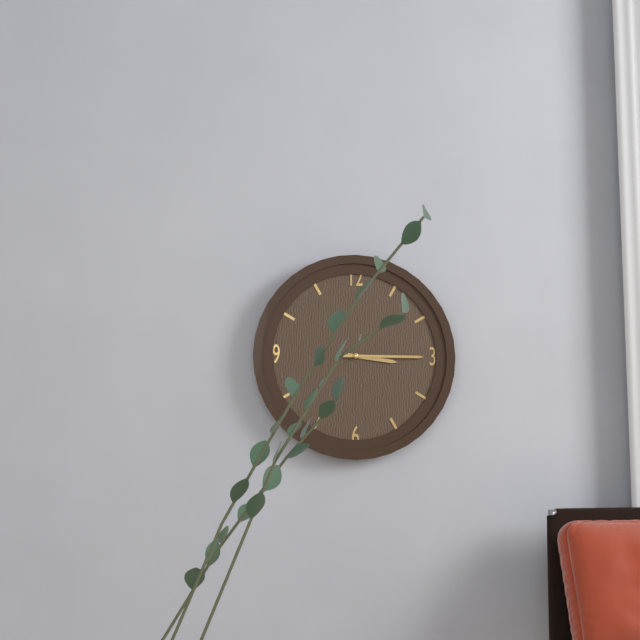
{"hour": 3, "minute": 15}
